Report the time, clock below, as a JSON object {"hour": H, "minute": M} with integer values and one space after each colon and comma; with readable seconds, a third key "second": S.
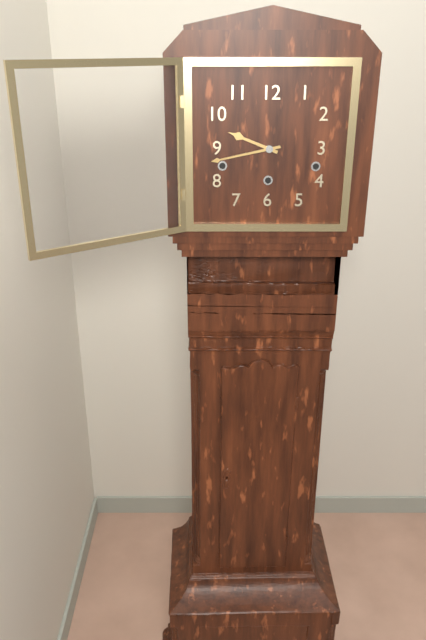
{"hour": 9, "minute": 43}
